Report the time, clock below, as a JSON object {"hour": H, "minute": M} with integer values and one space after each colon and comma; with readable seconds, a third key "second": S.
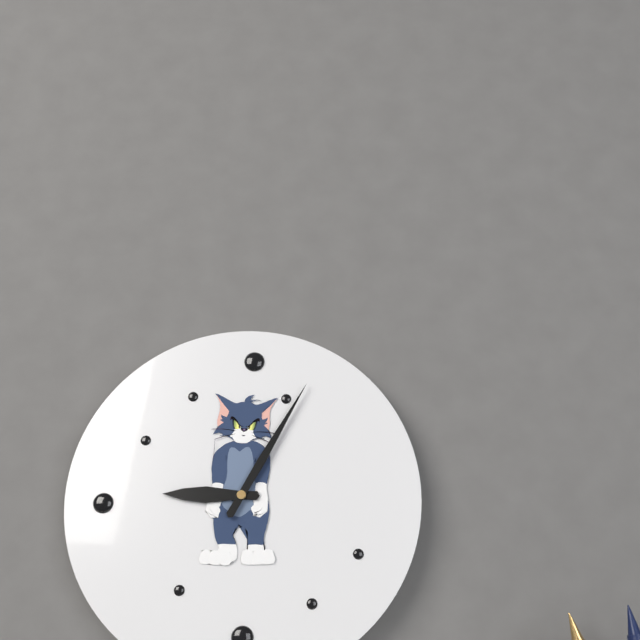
{"hour": 9, "minute": 5}
